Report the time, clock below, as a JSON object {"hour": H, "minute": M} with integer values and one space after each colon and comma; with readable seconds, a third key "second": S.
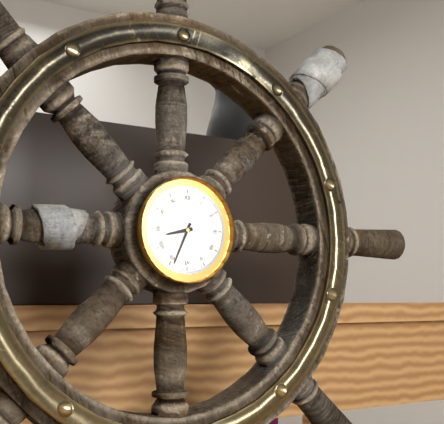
{"hour": 8, "minute": 34}
